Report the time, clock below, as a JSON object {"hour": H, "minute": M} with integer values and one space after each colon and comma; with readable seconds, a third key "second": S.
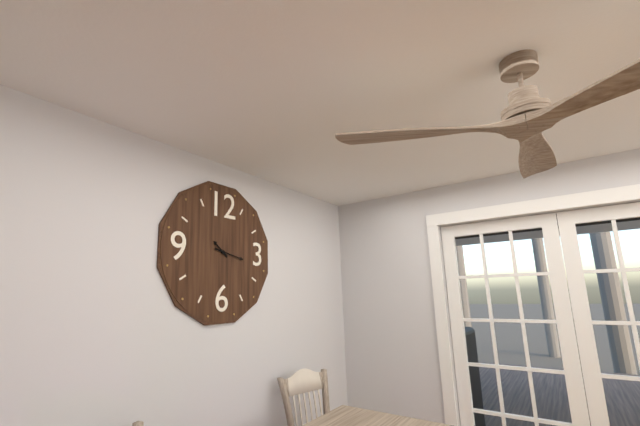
{"hour": 10, "minute": 17}
